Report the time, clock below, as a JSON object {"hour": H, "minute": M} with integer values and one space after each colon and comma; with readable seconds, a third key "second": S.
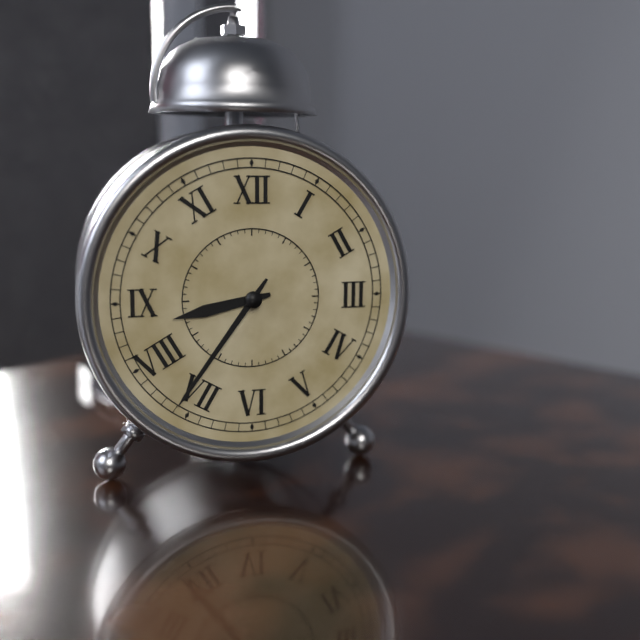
{"hour": 8, "minute": 36}
